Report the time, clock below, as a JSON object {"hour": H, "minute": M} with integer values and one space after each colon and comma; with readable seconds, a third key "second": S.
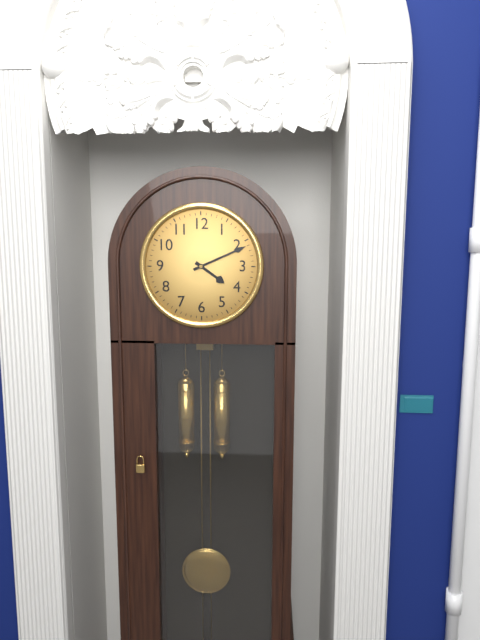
{"hour": 4, "minute": 11}
